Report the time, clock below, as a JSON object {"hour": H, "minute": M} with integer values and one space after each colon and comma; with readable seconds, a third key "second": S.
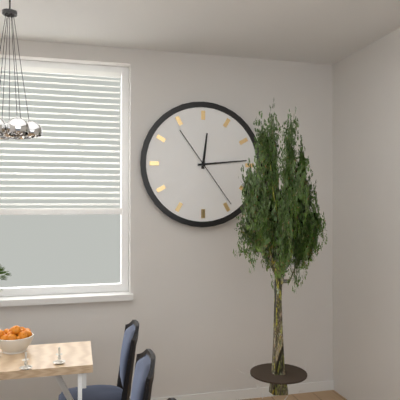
{"hour": 12, "minute": 14, "second": 24}
